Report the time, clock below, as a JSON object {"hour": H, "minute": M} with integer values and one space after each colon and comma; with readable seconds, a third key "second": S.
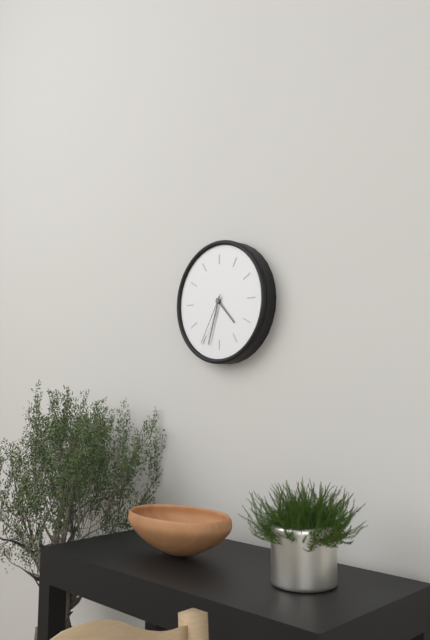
{"hour": 4, "minute": 33, "second": 35}
